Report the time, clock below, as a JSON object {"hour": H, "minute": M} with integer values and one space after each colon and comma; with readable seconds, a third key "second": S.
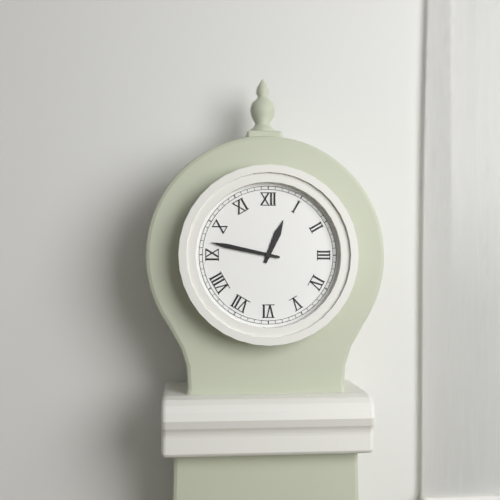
{"hour": 12, "minute": 47}
